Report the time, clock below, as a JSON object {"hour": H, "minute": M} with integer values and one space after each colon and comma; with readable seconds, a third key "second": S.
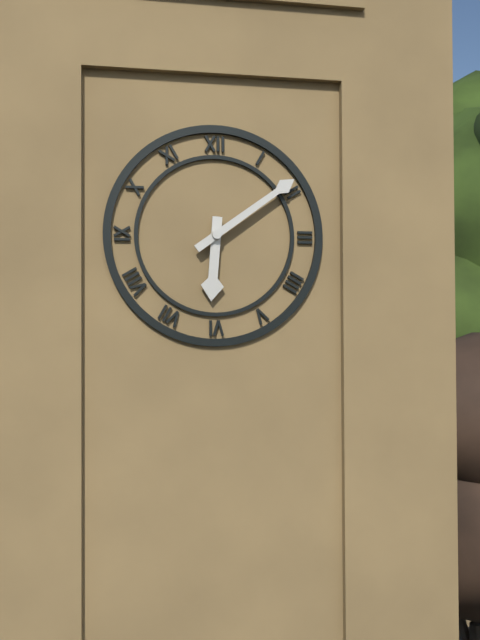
{"hour": 6, "minute": 9}
